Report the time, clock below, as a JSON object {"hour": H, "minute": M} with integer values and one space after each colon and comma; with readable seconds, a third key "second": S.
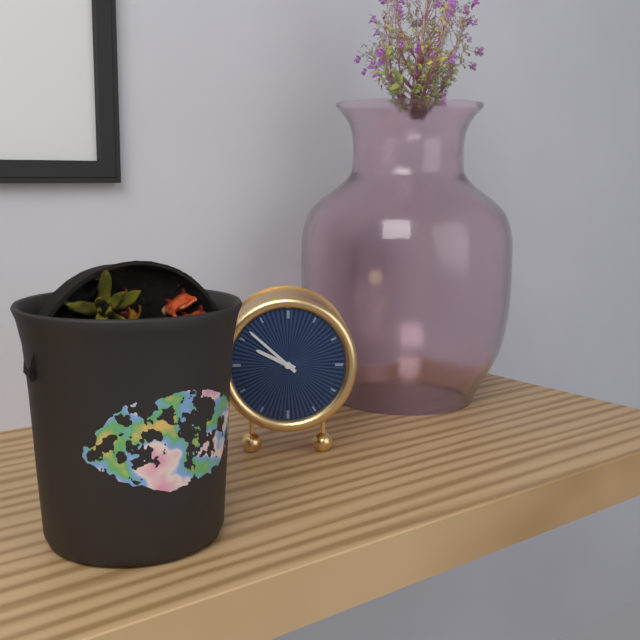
{"hour": 9, "minute": 52}
